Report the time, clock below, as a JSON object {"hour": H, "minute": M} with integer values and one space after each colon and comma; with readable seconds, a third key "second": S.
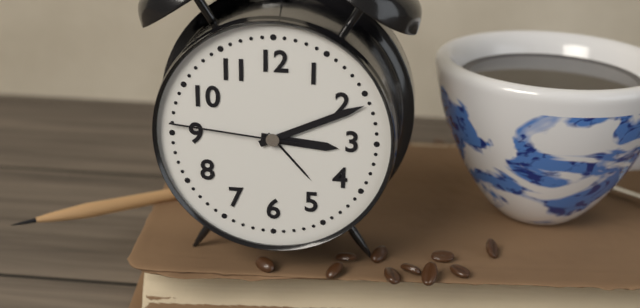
{"hour": 3, "minute": 11, "second": 46}
